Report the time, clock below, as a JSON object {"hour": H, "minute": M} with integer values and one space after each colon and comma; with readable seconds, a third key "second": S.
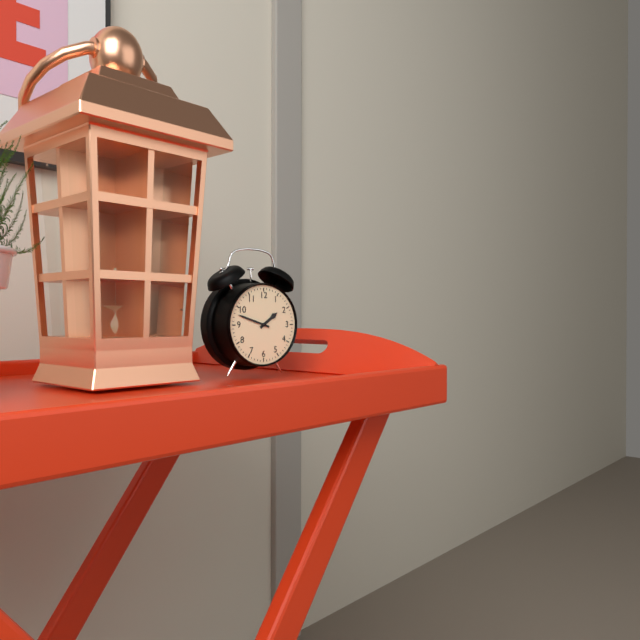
{"hour": 1, "minute": 48}
